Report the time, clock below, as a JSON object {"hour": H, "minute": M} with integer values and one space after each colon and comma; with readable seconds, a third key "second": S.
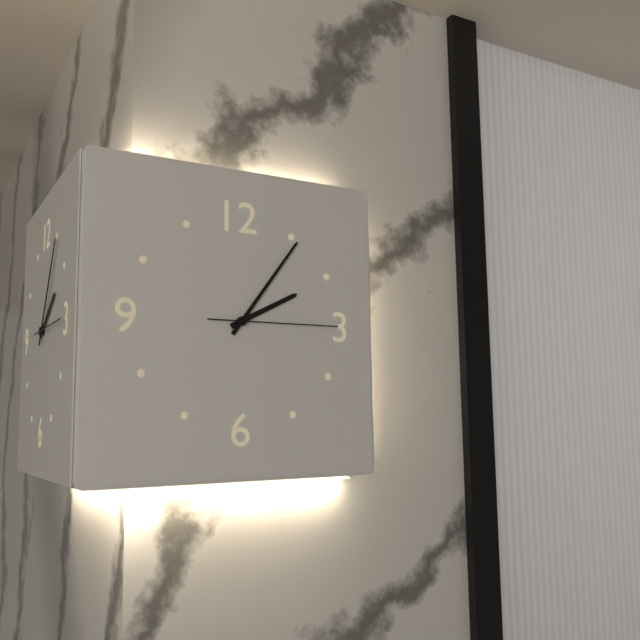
{"hour": 2, "minute": 6, "second": 15}
